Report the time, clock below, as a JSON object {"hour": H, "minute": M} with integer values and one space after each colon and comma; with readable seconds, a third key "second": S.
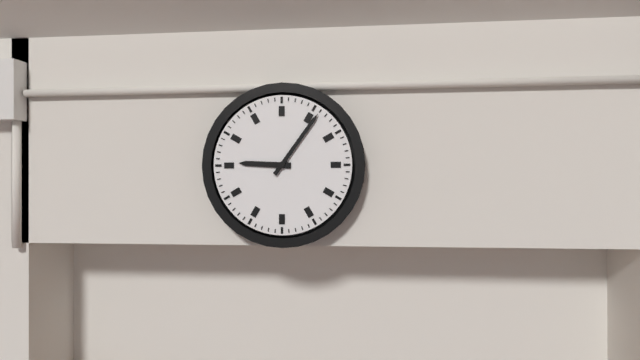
{"hour": 9, "minute": 6}
